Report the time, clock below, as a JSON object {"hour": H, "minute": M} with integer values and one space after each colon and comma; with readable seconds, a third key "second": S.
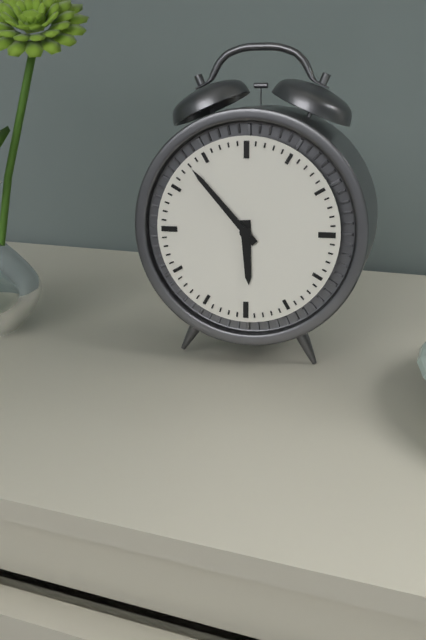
{"hour": 5, "minute": 53}
